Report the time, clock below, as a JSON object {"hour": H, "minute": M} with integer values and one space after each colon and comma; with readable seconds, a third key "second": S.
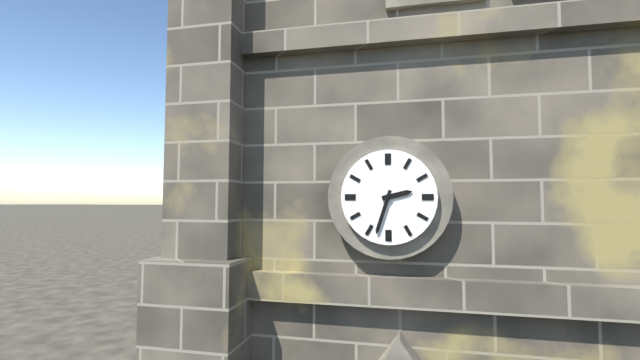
{"hour": 2, "minute": 33}
